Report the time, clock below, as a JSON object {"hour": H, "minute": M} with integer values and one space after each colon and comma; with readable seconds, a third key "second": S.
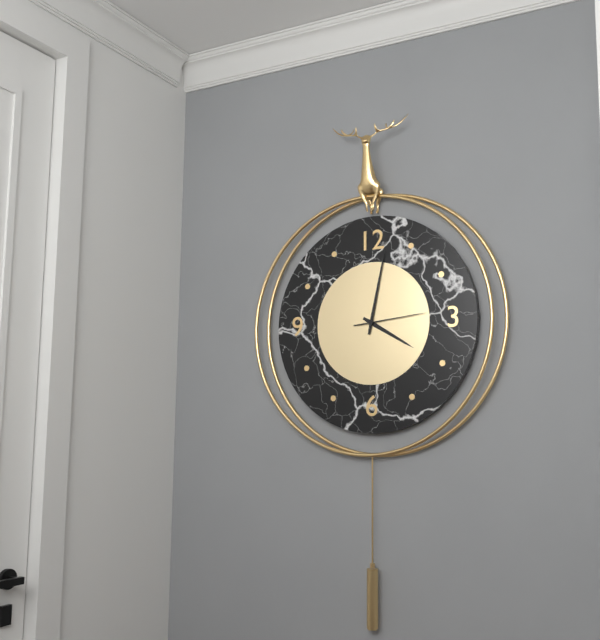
{"hour": 4, "minute": 2, "second": 14}
